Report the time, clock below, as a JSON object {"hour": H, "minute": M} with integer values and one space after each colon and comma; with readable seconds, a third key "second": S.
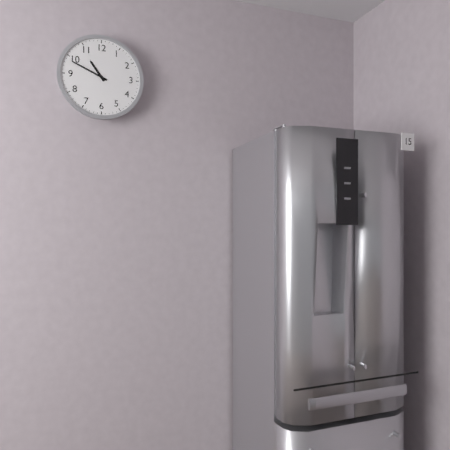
{"hour": 10, "minute": 49}
